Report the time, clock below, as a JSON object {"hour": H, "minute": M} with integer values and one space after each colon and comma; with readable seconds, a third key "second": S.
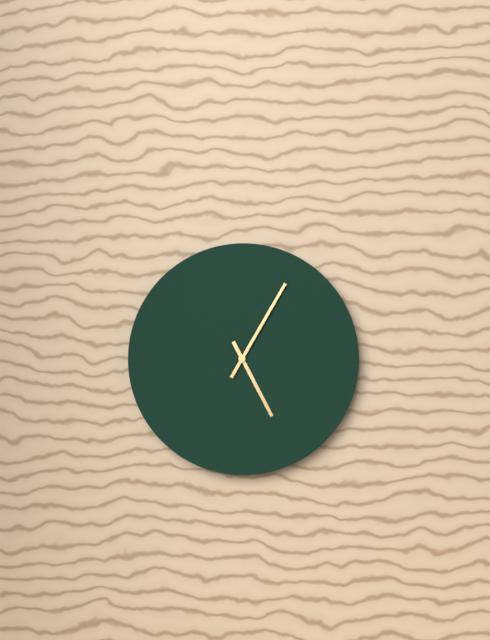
{"hour": 5, "minute": 5}
